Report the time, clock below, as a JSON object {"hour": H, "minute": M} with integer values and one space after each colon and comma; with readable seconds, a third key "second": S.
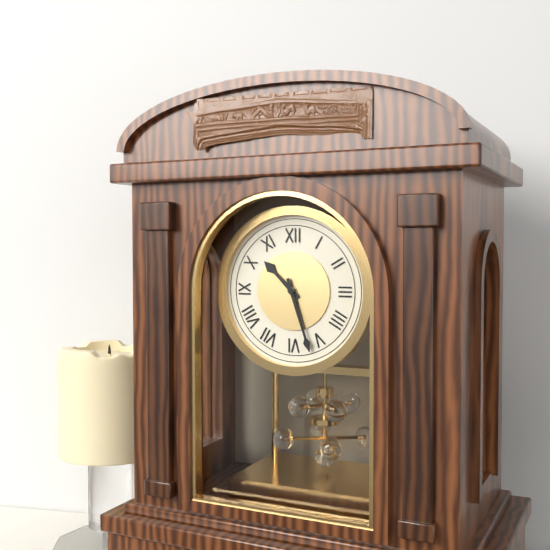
{"hour": 10, "minute": 27}
